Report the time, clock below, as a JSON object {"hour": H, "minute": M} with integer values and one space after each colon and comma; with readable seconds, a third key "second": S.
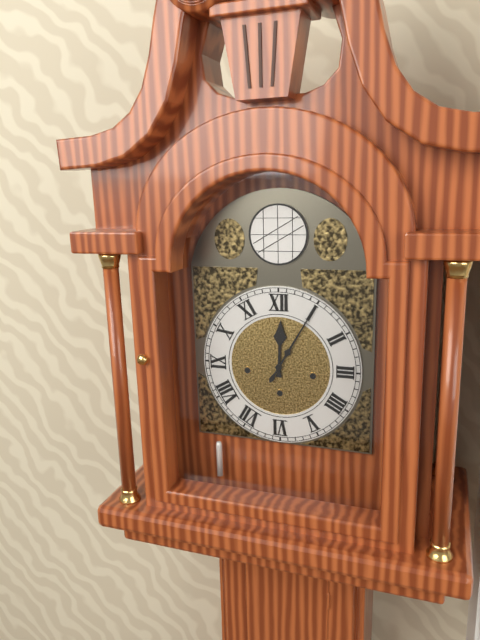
{"hour": 12, "minute": 5}
